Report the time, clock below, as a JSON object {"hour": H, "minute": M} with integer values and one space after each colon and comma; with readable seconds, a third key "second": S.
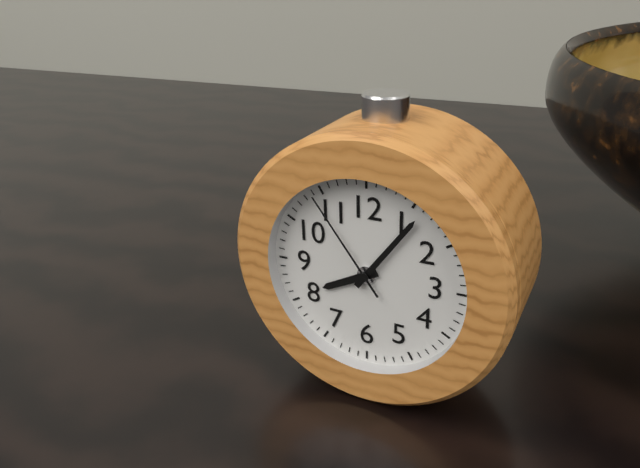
{"hour": 8, "minute": 6, "second": 54}
